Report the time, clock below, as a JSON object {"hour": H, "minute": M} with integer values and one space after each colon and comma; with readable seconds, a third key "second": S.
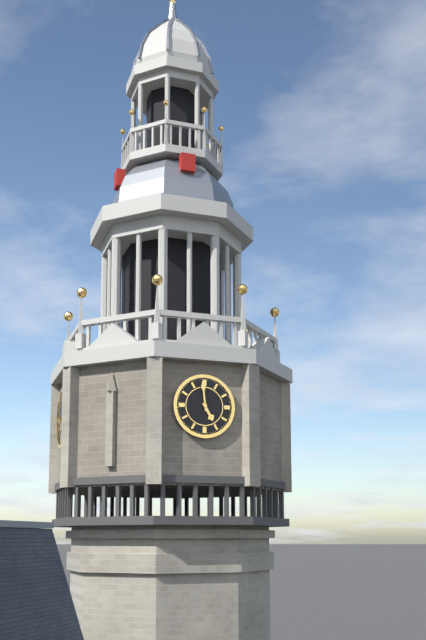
{"hour": 4, "minute": 59}
